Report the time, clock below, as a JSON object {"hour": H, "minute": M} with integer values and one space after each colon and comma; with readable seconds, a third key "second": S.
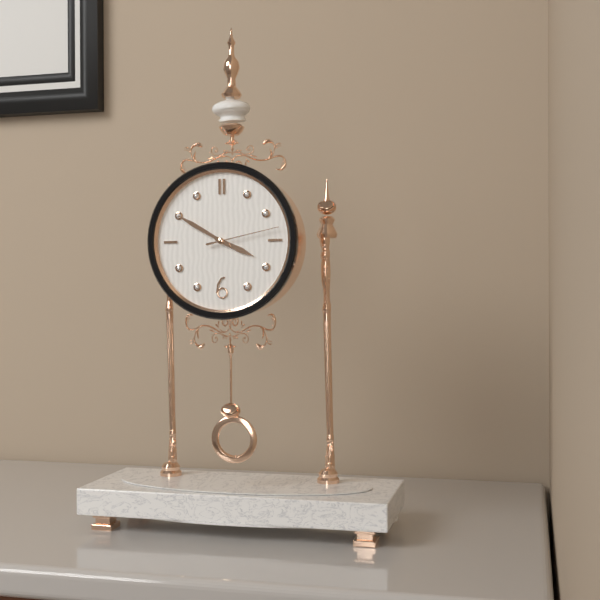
{"hour": 3, "minute": 50, "second": 13}
